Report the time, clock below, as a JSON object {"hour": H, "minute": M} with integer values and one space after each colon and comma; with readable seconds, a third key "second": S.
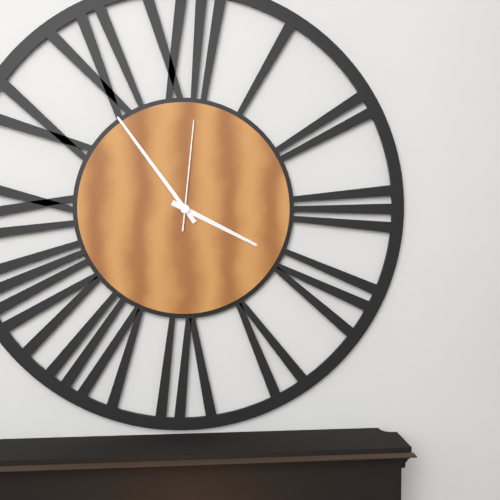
{"hour": 3, "minute": 54, "second": 1}
